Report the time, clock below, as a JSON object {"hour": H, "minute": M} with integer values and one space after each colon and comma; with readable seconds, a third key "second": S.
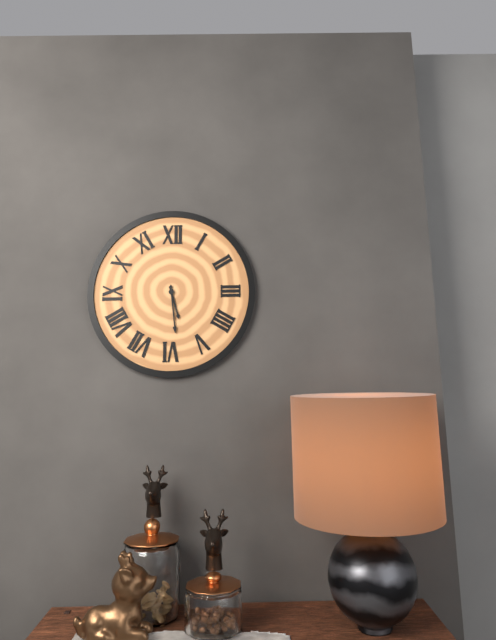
{"hour": 5, "minute": 29}
